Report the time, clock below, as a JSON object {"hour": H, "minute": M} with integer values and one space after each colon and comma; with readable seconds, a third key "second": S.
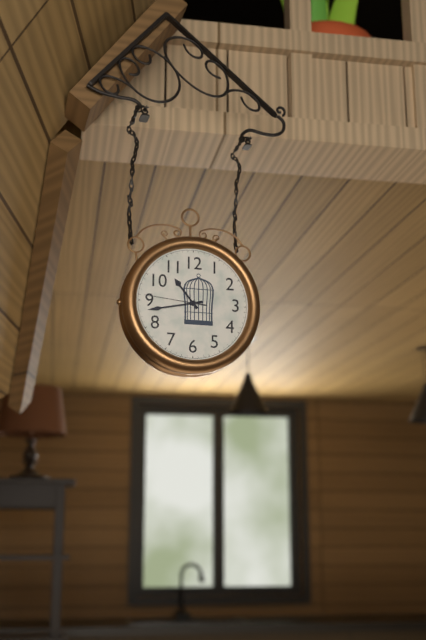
{"hour": 10, "minute": 43, "second": 46}
